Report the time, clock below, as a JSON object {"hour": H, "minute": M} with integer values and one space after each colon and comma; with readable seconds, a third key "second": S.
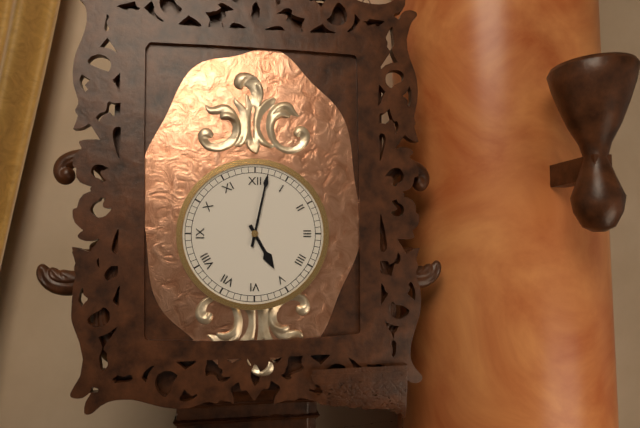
{"hour": 5, "minute": 2}
